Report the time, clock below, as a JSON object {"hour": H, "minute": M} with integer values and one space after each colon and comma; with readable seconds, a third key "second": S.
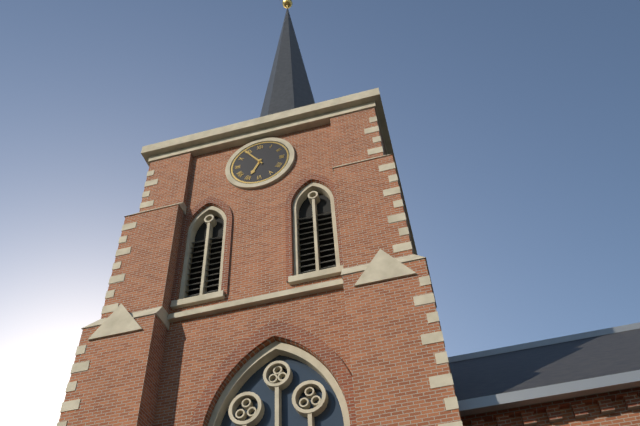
{"hour": 6, "minute": 54}
